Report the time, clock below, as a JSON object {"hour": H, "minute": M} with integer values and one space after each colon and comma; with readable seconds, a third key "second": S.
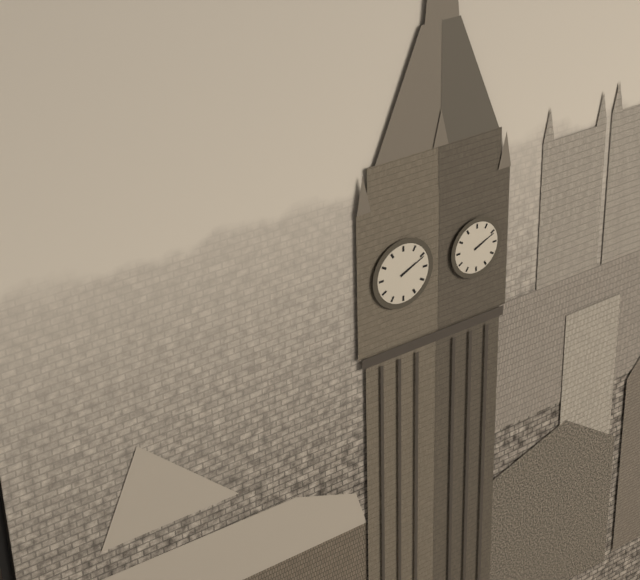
{"hour": 2, "minute": 11}
